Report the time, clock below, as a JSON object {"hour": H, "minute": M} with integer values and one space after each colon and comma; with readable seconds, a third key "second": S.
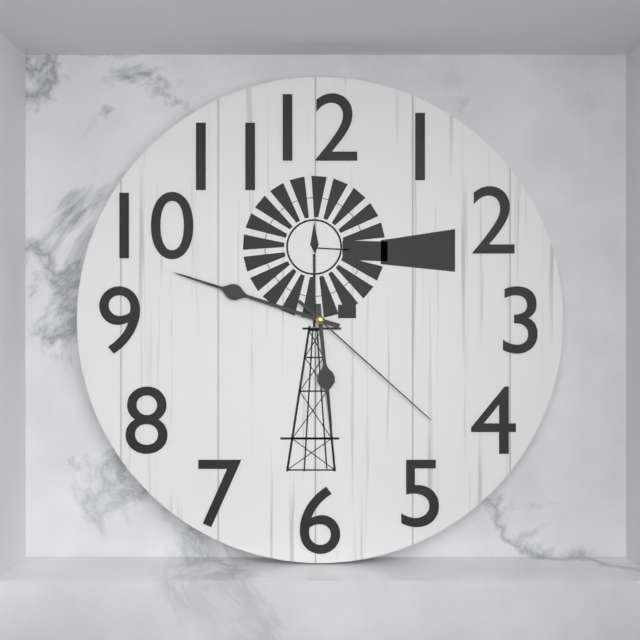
{"hour": 5, "minute": 48, "second": 22}
